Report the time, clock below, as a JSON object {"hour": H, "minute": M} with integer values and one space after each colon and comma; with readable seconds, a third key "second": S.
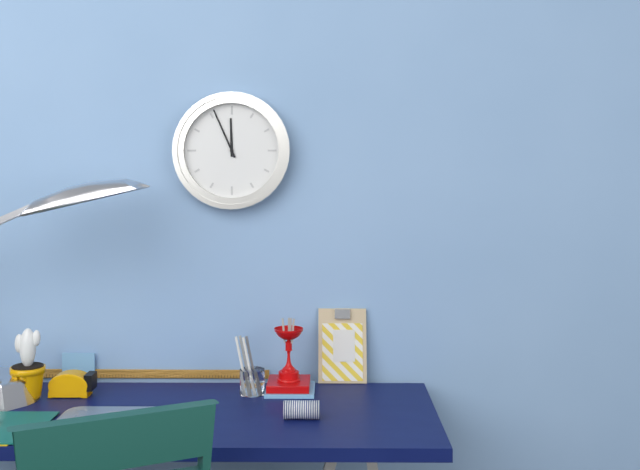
{"hour": 11, "minute": 56}
